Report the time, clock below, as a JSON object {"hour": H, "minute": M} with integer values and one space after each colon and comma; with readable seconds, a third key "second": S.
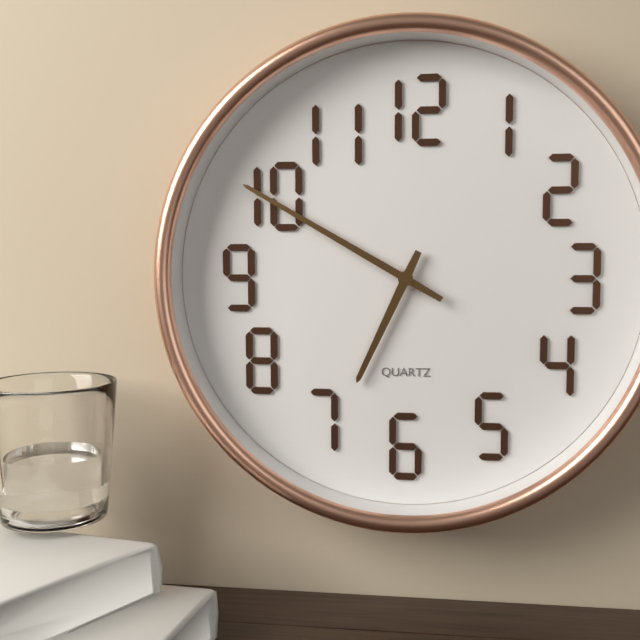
{"hour": 6, "minute": 50}
